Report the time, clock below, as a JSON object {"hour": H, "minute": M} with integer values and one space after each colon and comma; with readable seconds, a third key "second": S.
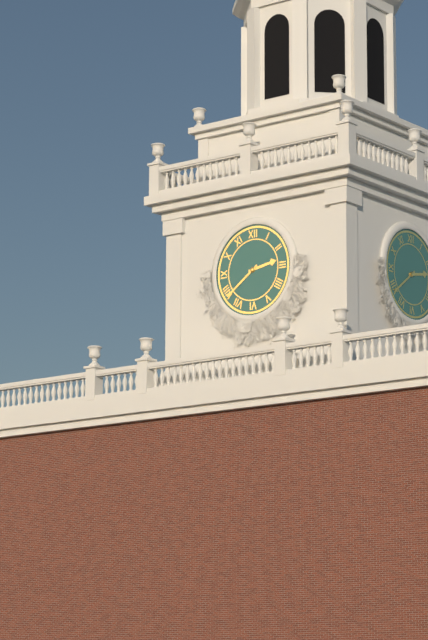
{"hour": 2, "minute": 39}
